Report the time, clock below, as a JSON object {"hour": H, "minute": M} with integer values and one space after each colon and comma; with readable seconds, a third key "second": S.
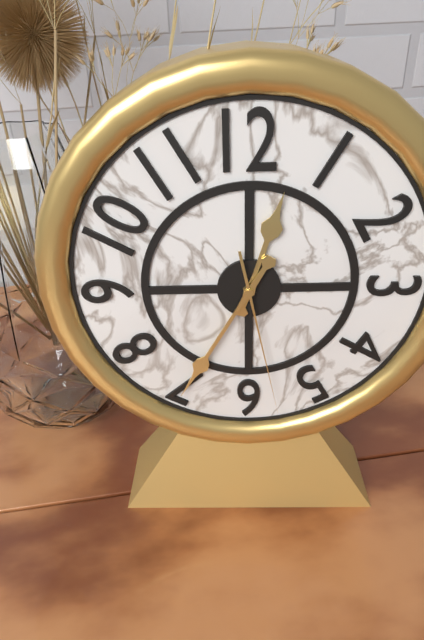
{"hour": 12, "minute": 35, "second": 28}
